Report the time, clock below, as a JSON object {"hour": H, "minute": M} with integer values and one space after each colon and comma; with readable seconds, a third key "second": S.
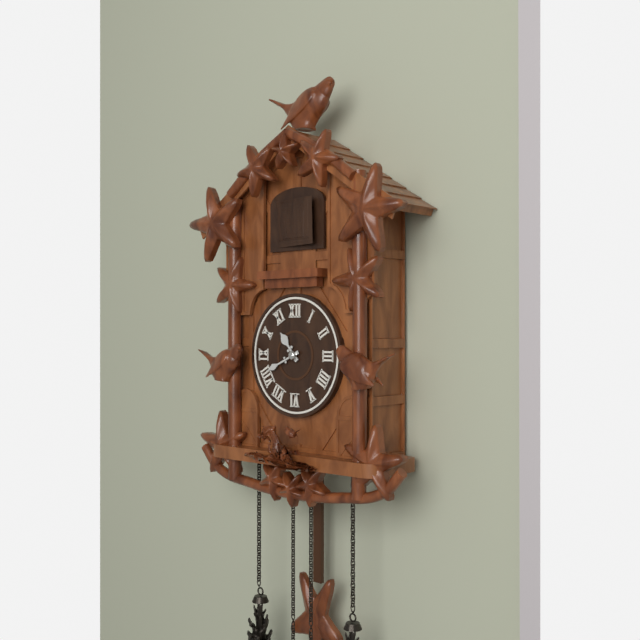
{"hour": 10, "minute": 41}
